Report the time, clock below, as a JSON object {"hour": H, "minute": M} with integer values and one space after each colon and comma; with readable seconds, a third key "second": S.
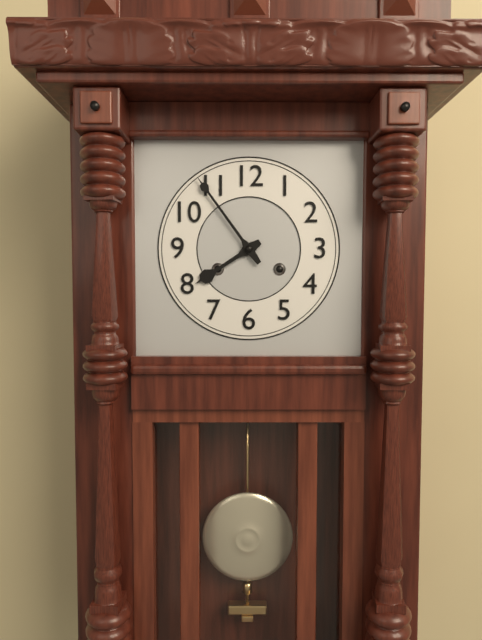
{"hour": 7, "minute": 54}
